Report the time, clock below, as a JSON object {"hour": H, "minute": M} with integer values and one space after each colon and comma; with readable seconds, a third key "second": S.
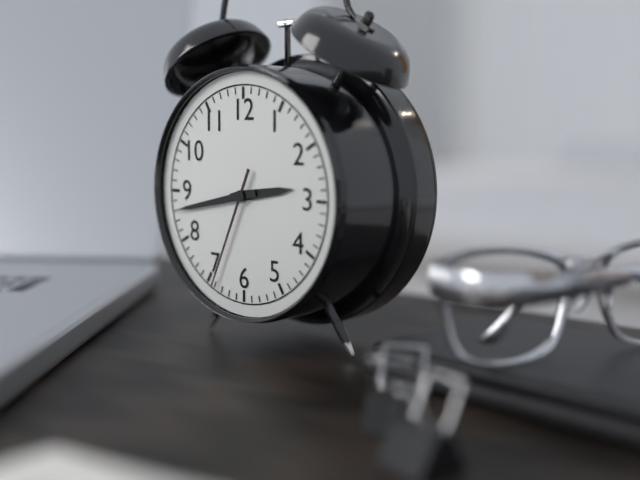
{"hour": 2, "minute": 43, "second": 34}
